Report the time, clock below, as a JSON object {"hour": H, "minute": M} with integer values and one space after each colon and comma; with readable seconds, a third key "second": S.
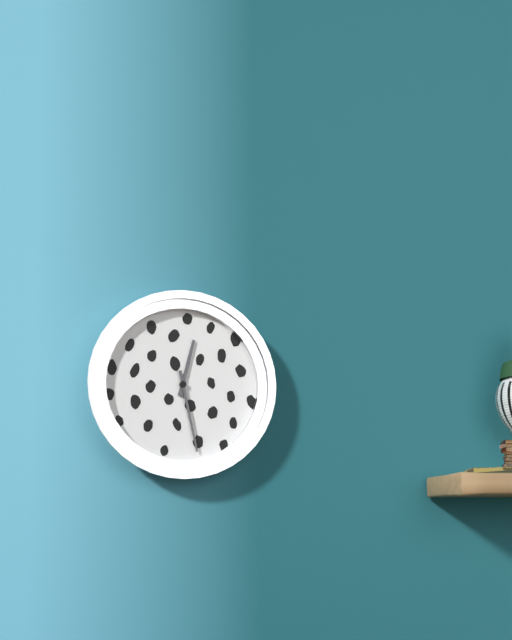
{"hour": 12, "minute": 28}
